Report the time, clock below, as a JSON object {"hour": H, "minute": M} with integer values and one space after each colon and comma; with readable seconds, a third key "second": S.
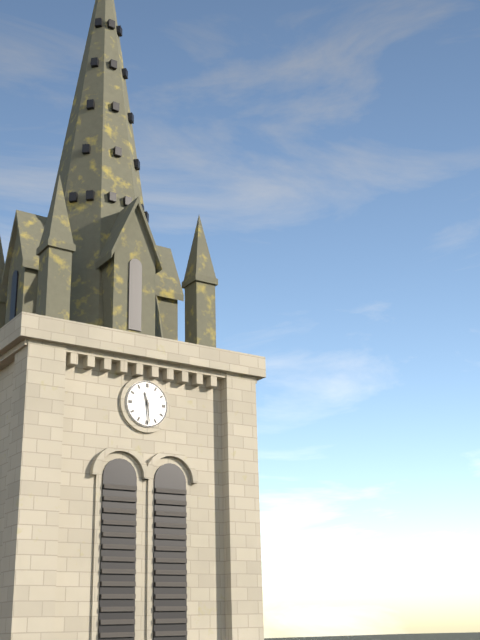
{"hour": 11, "minute": 29}
